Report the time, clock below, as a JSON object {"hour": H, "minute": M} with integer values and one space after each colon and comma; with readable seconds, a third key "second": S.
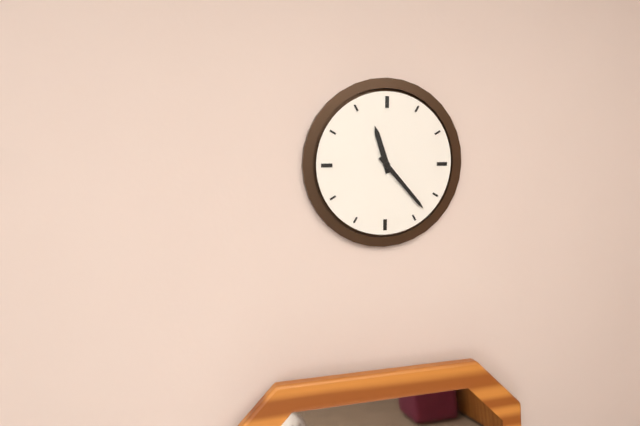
{"hour": 11, "minute": 23}
